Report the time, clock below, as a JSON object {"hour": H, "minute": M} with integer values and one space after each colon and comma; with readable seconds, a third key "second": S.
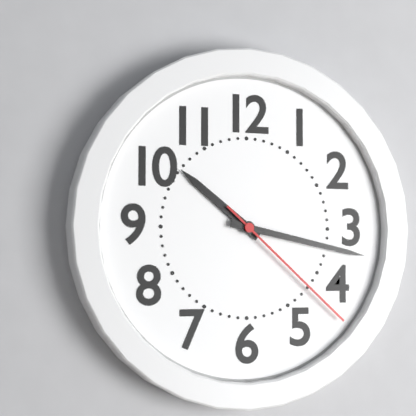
{"hour": 10, "minute": 17, "second": 22}
